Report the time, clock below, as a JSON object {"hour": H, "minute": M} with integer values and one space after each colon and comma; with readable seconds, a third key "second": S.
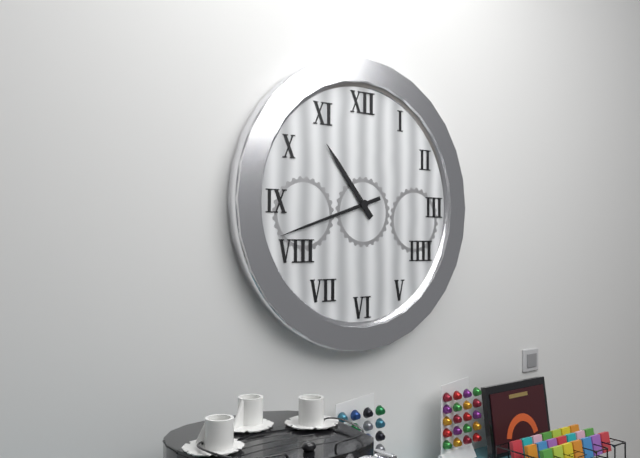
{"hour": 10, "minute": 42}
